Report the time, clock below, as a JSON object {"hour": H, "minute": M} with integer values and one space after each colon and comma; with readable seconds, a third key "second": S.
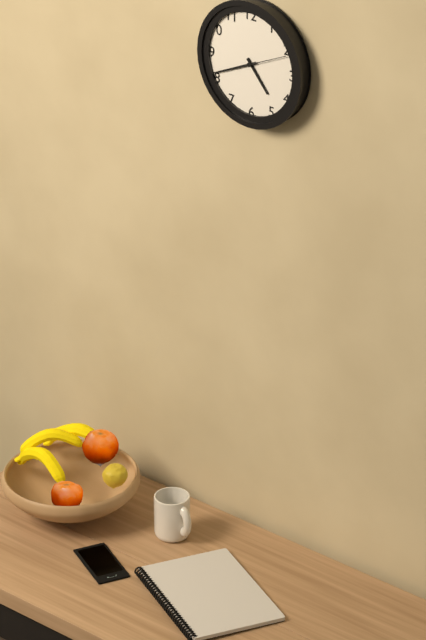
{"hour": 4, "minute": 41}
